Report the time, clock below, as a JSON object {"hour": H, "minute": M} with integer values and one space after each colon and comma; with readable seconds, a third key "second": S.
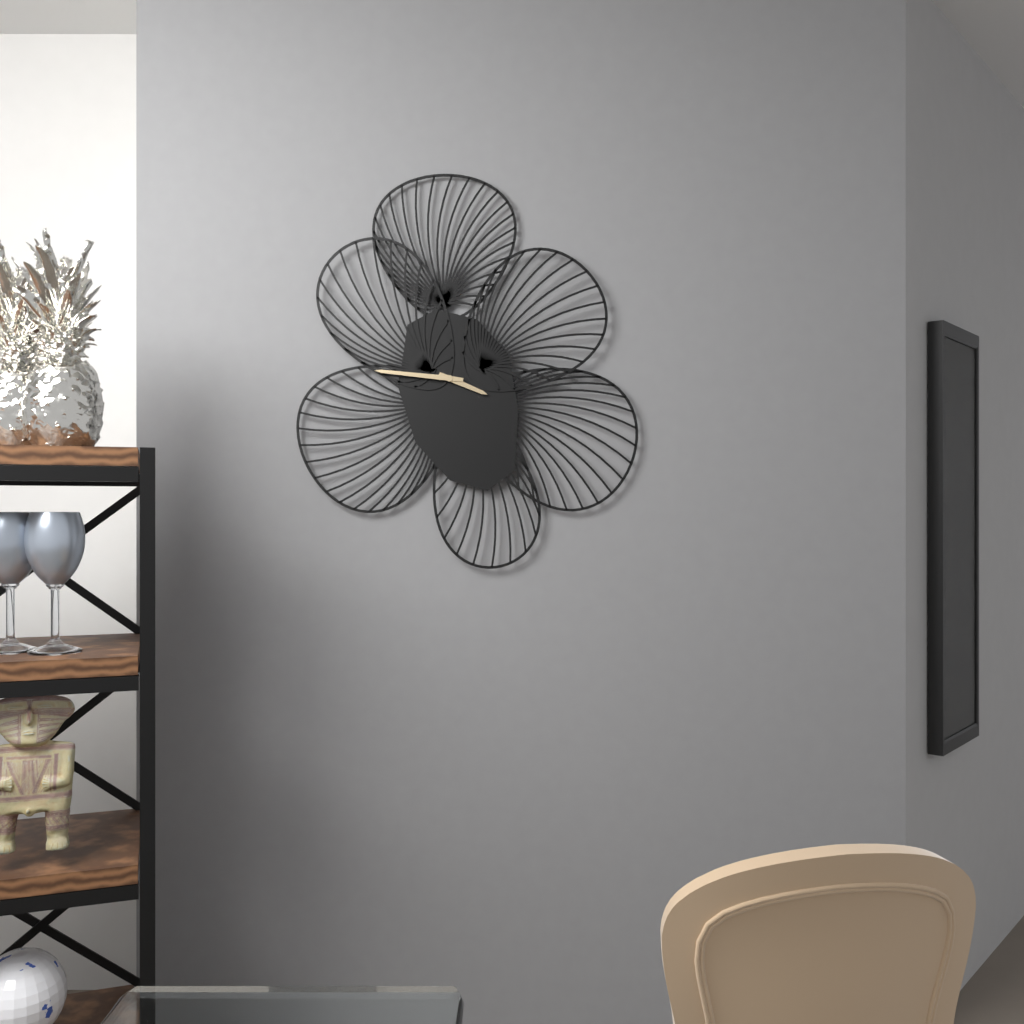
{"hour": 3, "minute": 46}
